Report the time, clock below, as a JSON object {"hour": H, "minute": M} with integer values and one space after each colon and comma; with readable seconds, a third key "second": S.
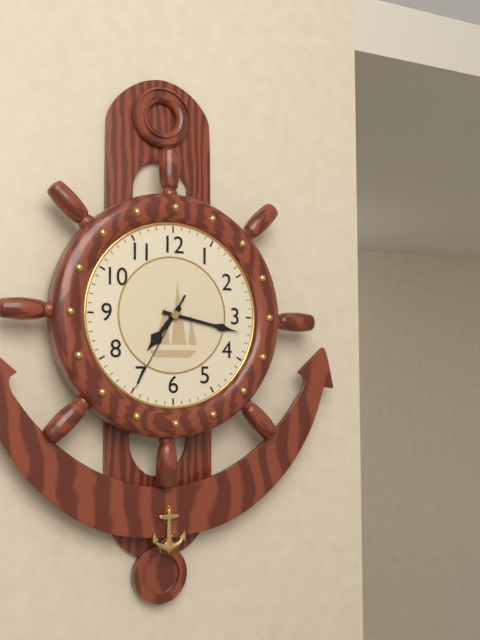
{"hour": 7, "minute": 17, "second": 35}
